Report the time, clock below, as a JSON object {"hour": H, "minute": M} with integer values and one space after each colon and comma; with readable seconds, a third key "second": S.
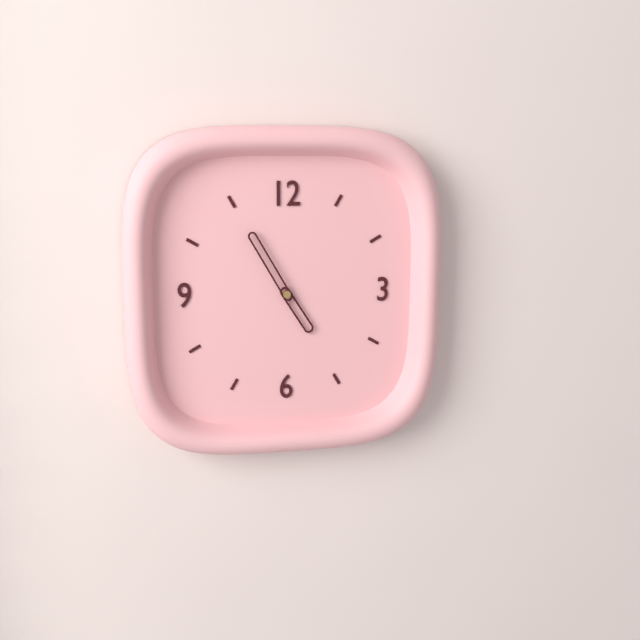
{"hour": 4, "minute": 55}
